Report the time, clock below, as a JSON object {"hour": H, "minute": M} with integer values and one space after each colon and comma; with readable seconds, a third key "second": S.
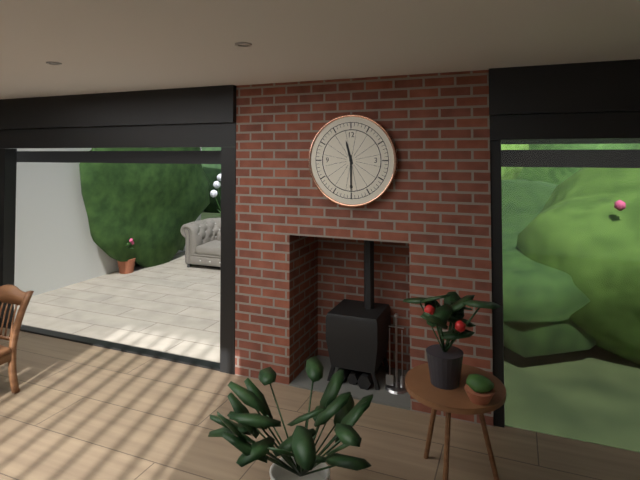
{"hour": 11, "minute": 30}
